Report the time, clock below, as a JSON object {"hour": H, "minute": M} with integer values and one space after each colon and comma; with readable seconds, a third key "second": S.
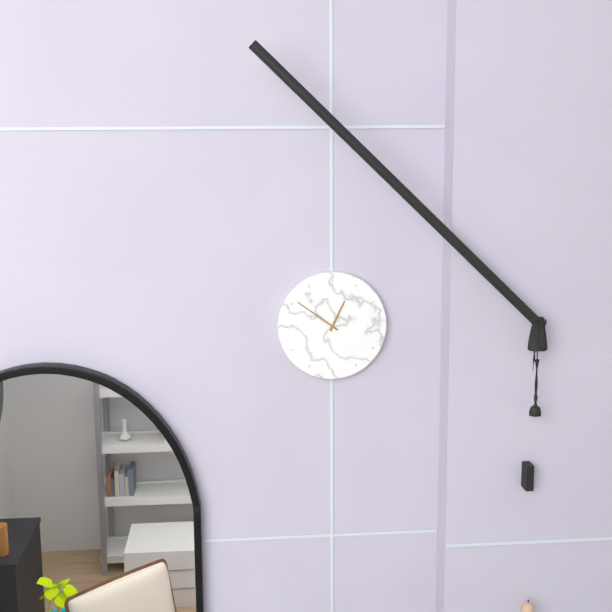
{"hour": 12, "minute": 51}
